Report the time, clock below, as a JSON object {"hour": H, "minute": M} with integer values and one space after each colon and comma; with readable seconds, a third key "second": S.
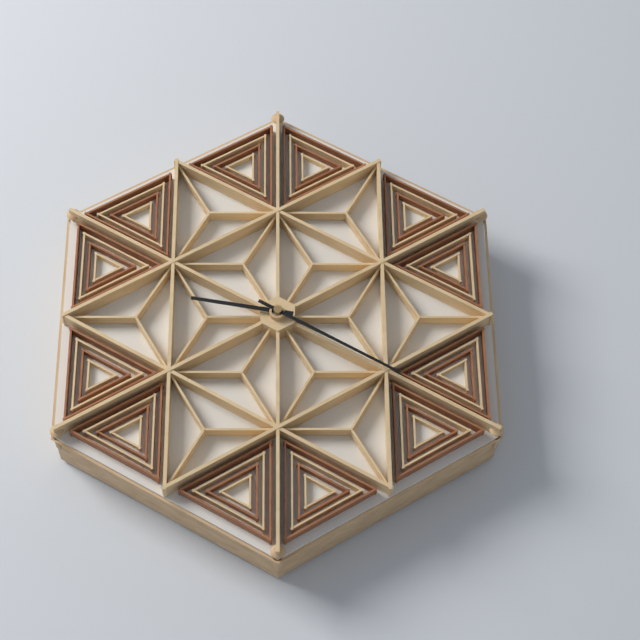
{"hour": 9, "minute": 20}
